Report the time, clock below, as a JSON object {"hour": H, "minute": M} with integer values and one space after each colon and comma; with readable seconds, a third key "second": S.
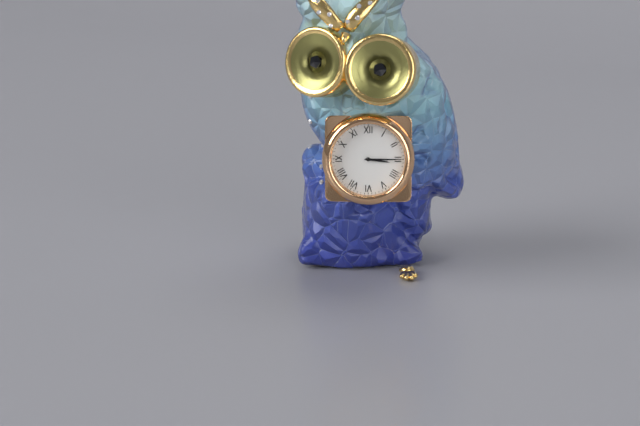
{"hour": 3, "minute": 15}
